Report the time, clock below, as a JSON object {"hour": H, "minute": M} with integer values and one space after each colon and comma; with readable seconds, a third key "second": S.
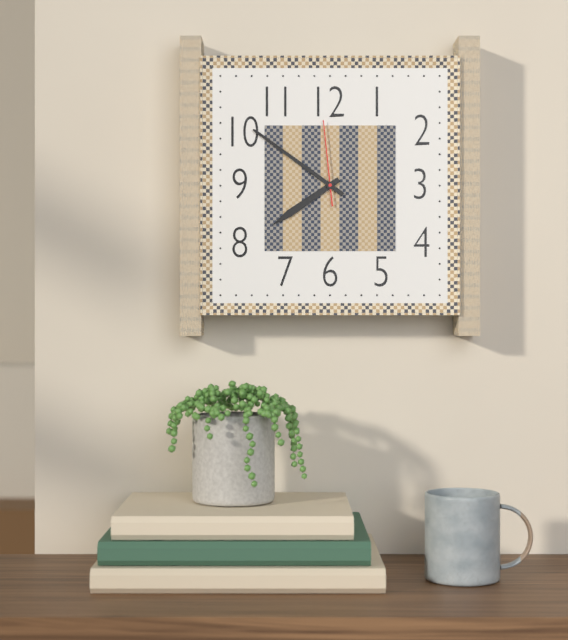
{"hour": 7, "minute": 51, "second": 59}
